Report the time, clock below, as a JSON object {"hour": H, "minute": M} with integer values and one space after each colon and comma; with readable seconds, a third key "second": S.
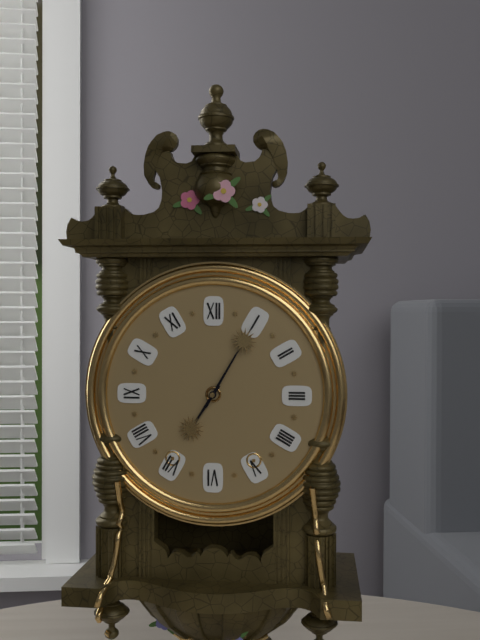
{"hour": 7, "minute": 5}
